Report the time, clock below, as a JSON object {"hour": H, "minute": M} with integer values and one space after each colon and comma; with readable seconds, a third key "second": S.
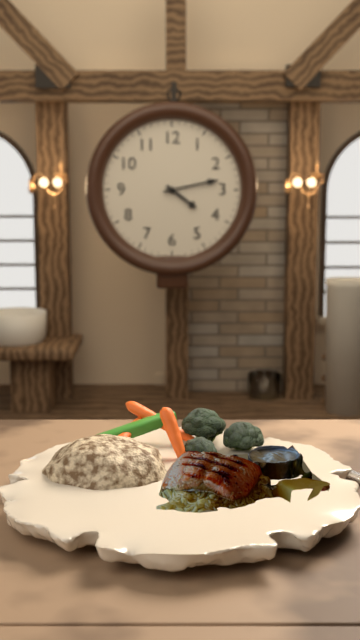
{"hour": 4, "minute": 13}
